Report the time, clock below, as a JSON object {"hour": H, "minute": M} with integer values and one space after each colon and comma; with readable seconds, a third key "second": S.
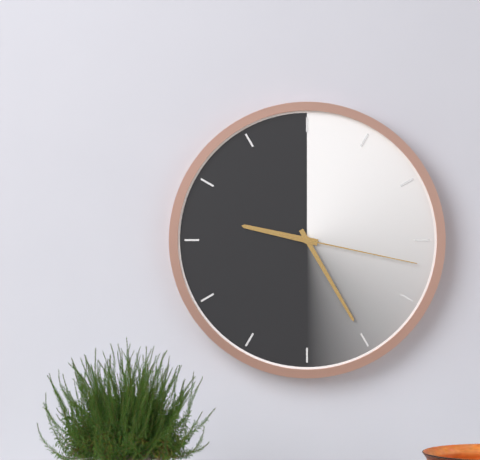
{"hour": 9, "minute": 25, "second": 17}
